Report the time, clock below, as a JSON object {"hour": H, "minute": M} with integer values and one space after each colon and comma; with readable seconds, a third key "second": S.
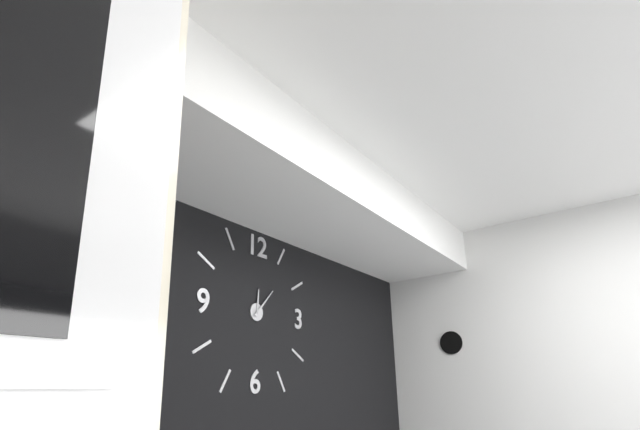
{"hour": 12, "minute": 7}
